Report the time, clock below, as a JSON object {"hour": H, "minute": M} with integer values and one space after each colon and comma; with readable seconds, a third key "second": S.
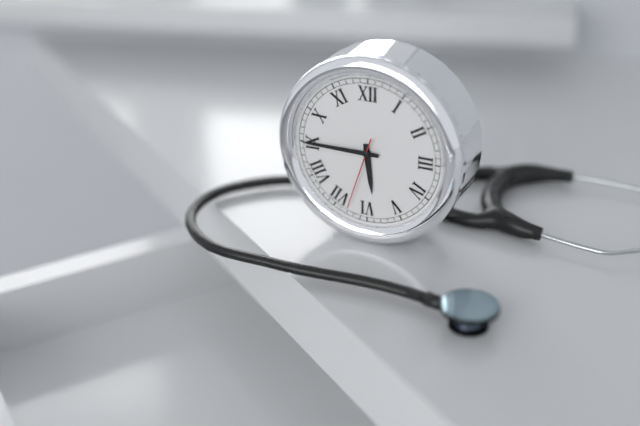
{"hour": 5, "minute": 45, "second": 33}
